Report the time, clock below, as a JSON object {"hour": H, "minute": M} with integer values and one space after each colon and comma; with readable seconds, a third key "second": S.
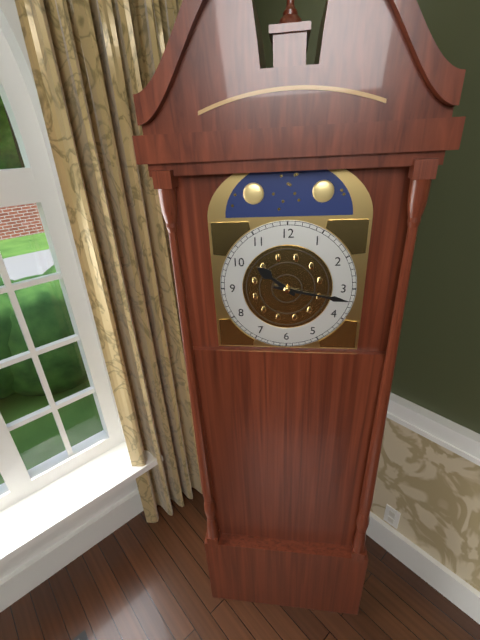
{"hour": 10, "minute": 17}
